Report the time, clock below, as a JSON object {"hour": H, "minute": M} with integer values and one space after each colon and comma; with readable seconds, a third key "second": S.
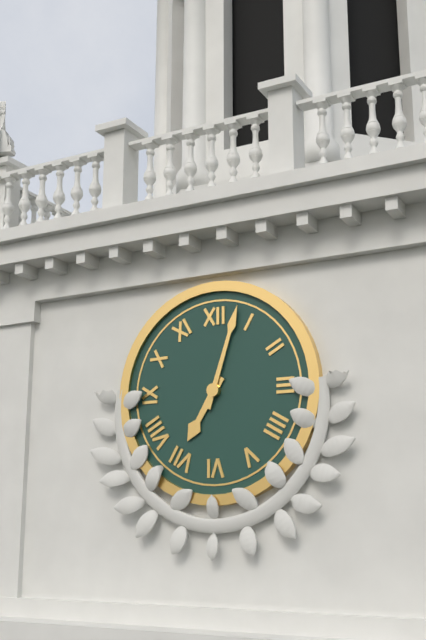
{"hour": 7, "minute": 3}
